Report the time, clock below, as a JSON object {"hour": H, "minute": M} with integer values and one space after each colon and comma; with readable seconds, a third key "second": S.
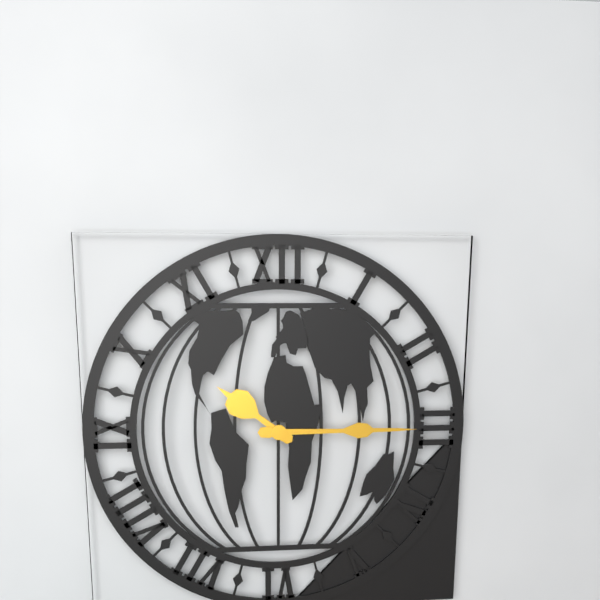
{"hour": 10, "minute": 15}
